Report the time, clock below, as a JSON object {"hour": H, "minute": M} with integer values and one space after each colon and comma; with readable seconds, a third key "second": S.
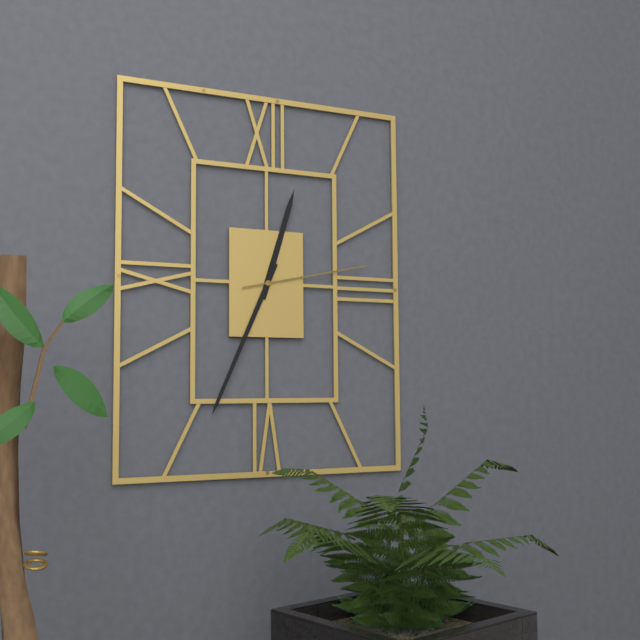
{"hour": 12, "minute": 34, "second": 13}
